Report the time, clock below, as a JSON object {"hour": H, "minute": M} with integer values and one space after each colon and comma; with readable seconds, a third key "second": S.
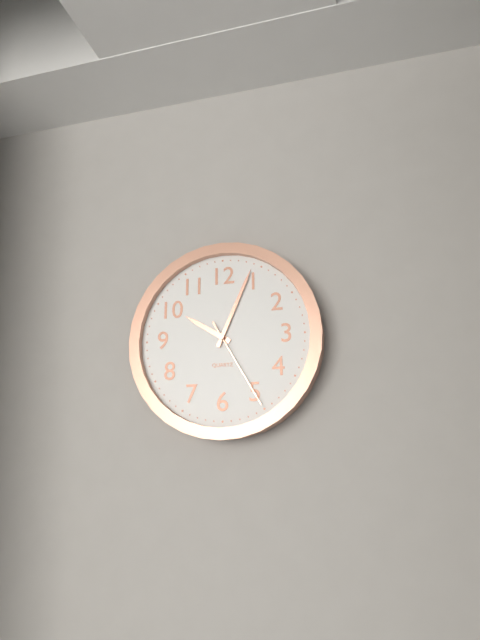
{"hour": 10, "minute": 4, "second": 25}
